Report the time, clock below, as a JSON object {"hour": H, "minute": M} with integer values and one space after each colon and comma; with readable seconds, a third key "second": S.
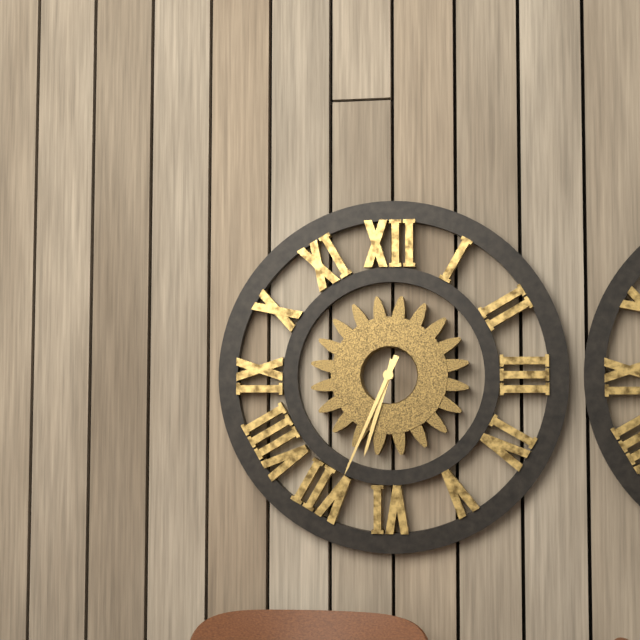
{"hour": 6, "minute": 34}
